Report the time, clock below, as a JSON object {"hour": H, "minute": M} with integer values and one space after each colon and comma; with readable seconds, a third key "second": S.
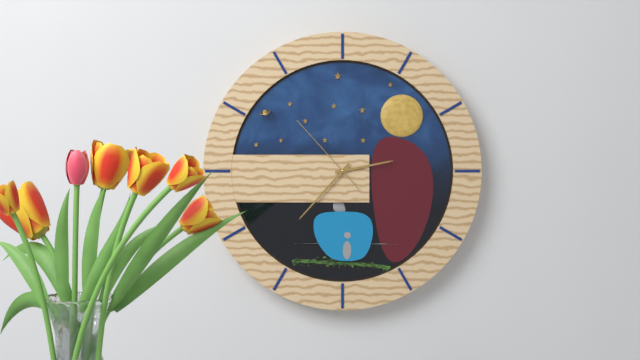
{"hour": 2, "minute": 37, "second": 53}
